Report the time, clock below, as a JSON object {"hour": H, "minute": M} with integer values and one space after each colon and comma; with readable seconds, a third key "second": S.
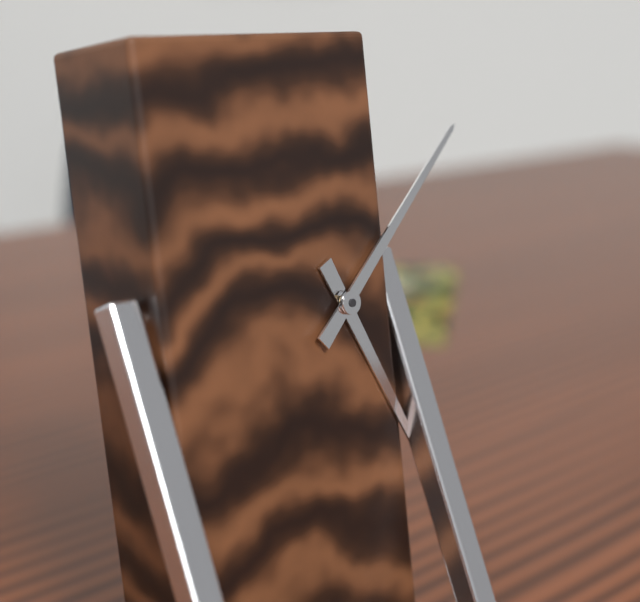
{"hour": 5, "minute": 8}
